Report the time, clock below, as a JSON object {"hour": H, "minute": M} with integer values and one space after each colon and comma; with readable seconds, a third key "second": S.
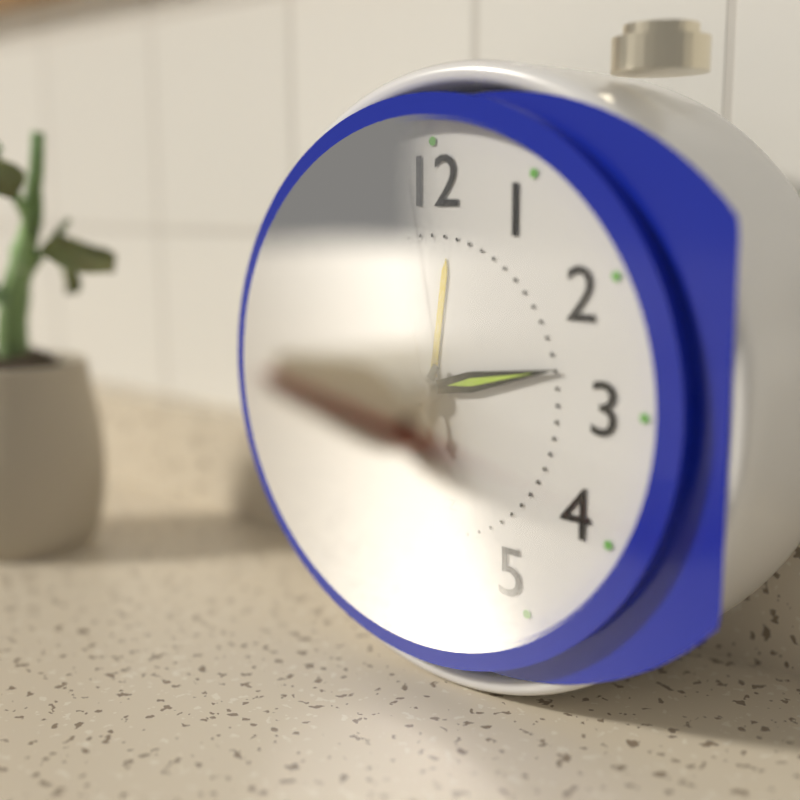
{"hour": 2, "minute": 35, "second": 58}
